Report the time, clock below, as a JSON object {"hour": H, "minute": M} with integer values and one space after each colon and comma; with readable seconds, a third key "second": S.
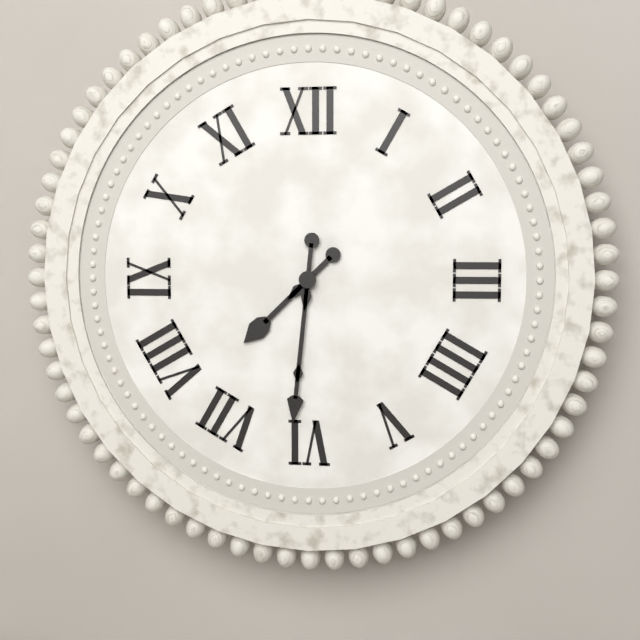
{"hour": 7, "minute": 31}
